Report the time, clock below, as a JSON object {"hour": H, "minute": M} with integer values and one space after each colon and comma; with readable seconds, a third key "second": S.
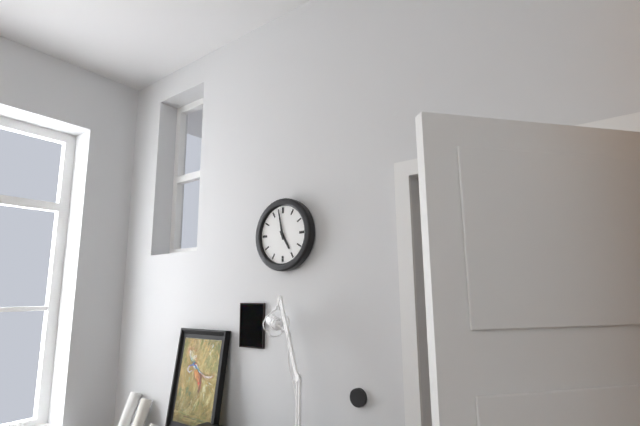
{"hour": 4, "minute": 58}
